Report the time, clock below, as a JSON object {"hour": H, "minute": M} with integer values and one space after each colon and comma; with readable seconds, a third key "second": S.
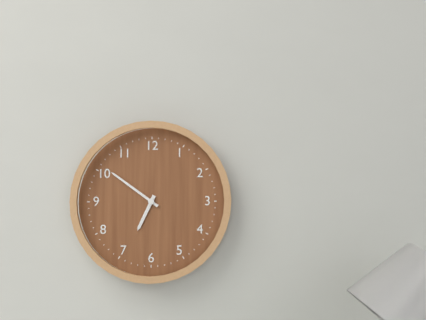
{"hour": 6, "minute": 51}
